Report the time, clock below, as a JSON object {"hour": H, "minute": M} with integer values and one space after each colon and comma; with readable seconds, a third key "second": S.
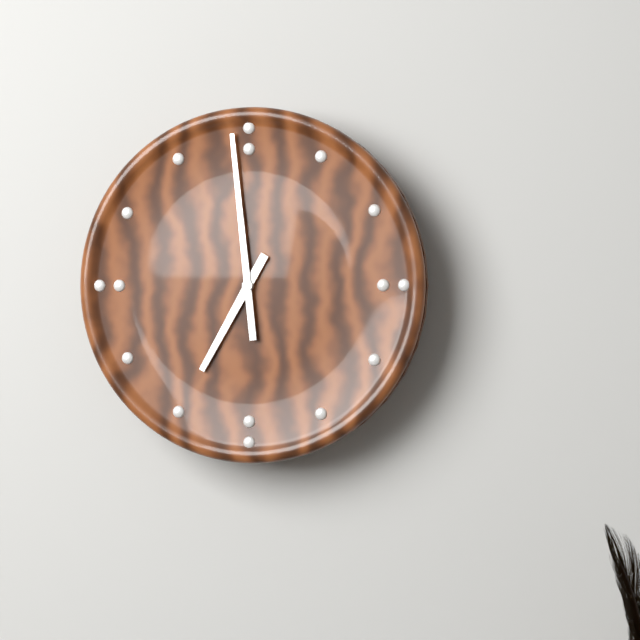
{"hour": 6, "minute": 59}
